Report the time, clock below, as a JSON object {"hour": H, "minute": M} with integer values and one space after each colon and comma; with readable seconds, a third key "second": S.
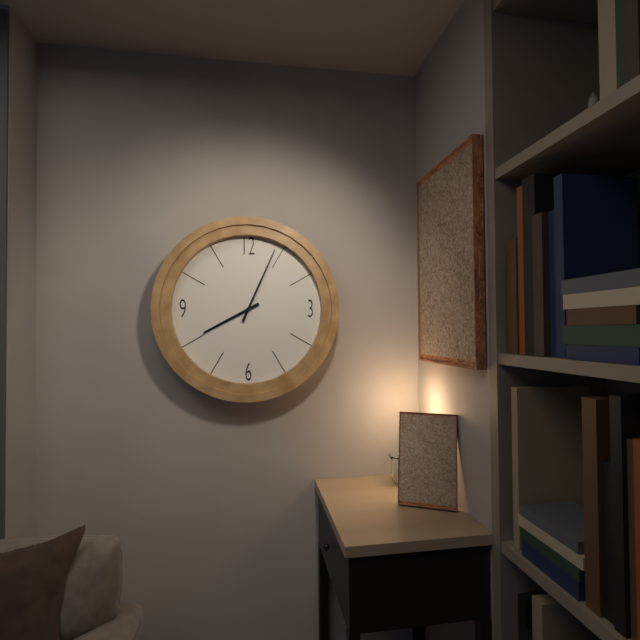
{"hour": 8, "minute": 4}
